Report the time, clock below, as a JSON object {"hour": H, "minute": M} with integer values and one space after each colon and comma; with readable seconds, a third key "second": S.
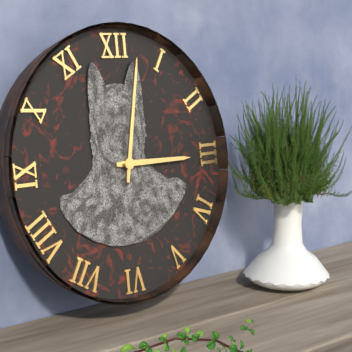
{"hour": 3, "minute": 2}
